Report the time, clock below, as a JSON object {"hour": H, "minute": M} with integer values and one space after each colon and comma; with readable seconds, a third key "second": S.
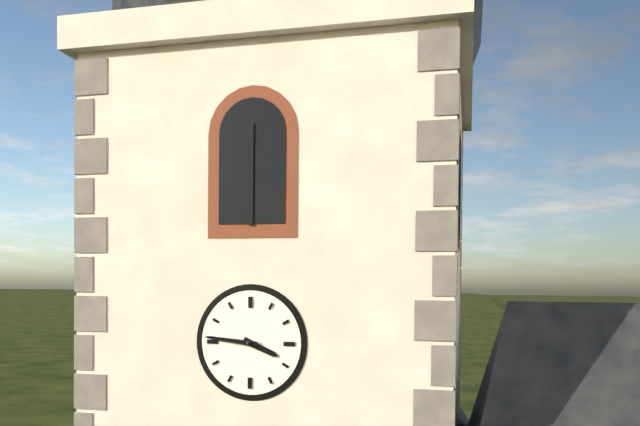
{"hour": 3, "minute": 46}
